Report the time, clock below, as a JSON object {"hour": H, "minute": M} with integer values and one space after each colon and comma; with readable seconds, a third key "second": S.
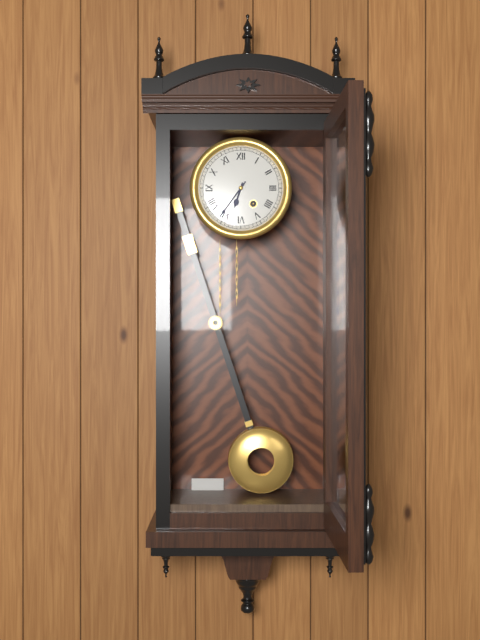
{"hour": 6, "minute": 36}
